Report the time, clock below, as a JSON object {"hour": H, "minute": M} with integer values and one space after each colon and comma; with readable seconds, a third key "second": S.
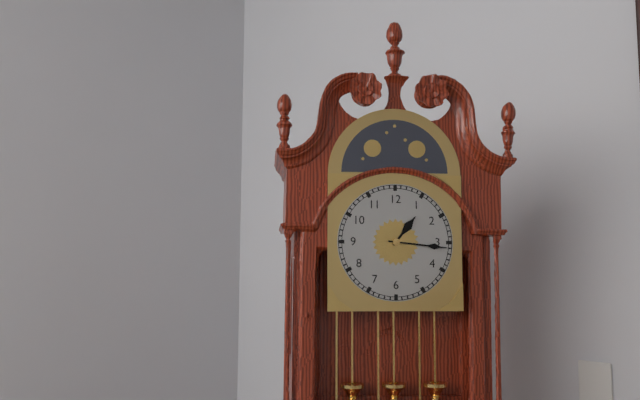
{"hour": 1, "minute": 16}
